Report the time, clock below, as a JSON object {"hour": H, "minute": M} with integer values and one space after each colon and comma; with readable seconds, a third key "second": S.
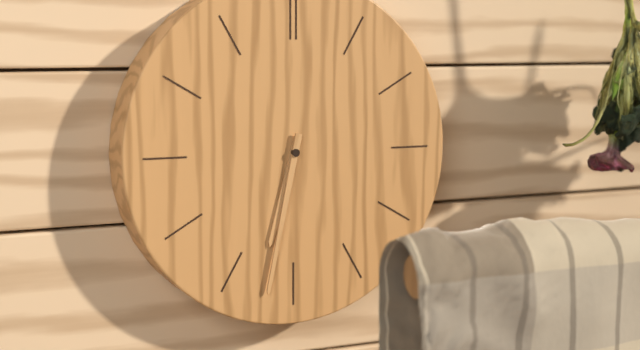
{"hour": 6, "minute": 32}
